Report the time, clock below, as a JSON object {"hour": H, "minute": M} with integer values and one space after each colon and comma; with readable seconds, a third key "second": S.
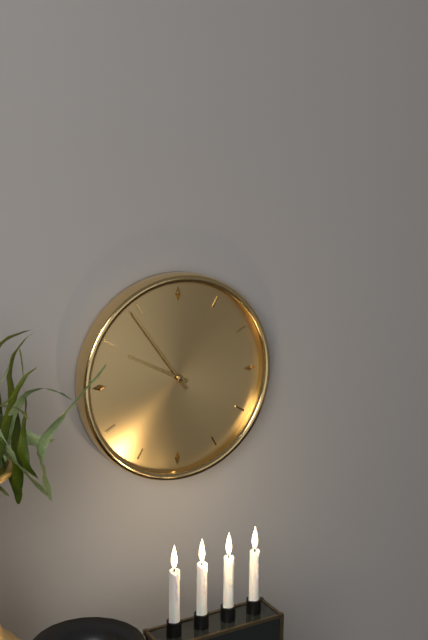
{"hour": 9, "minute": 54}
